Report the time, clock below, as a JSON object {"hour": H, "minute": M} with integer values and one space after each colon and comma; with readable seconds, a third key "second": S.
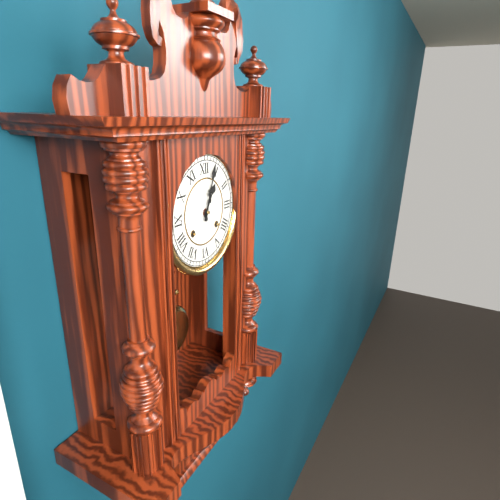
{"hour": 1, "minute": 3}
